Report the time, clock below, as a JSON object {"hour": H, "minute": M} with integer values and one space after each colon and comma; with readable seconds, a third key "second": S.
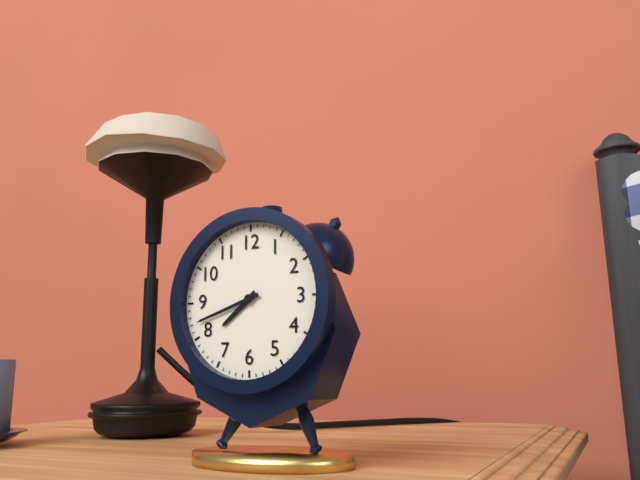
{"hour": 7, "minute": 42}
